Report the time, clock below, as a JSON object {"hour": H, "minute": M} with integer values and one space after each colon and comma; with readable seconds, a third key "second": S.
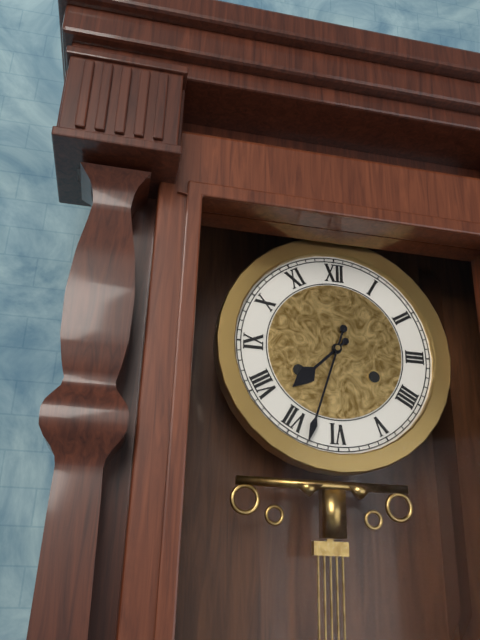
{"hour": 7, "minute": 33}
